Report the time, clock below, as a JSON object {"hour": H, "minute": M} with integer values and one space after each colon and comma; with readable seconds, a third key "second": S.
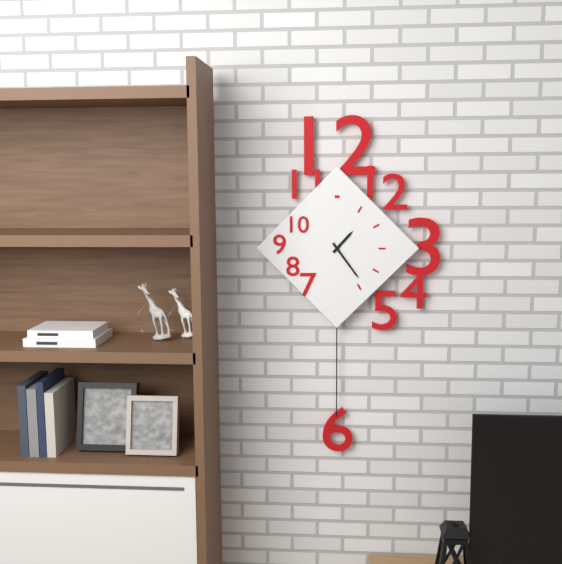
{"hour": 1, "minute": 24}
